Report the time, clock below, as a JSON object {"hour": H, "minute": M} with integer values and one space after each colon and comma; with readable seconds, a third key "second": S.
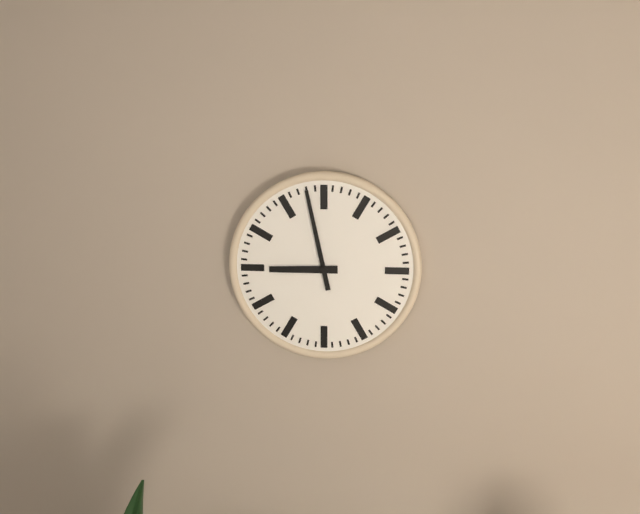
{"hour": 8, "minute": 58}
